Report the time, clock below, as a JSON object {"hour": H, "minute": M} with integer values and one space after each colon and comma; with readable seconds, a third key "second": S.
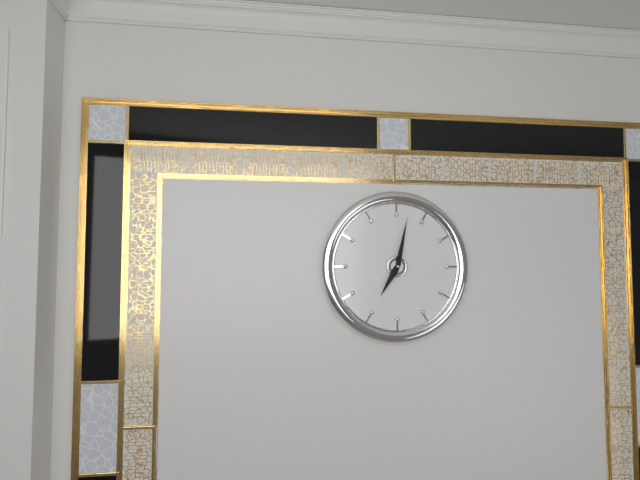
{"hour": 7, "minute": 2}
